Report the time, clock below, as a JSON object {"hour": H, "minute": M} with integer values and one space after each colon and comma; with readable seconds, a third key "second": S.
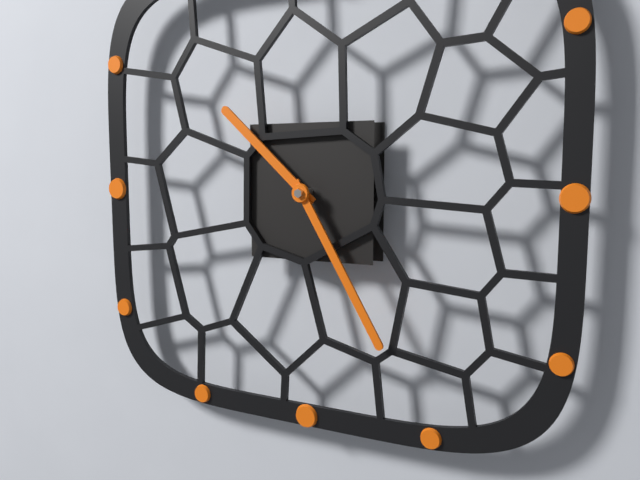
{"hour": 10, "minute": 25}
